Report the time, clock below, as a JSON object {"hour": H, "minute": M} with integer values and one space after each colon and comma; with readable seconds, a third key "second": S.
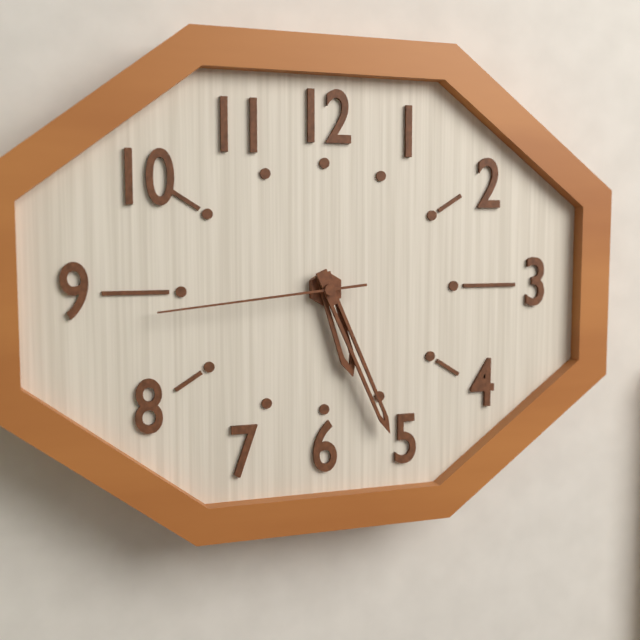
{"hour": 5, "minute": 26, "second": 44}
